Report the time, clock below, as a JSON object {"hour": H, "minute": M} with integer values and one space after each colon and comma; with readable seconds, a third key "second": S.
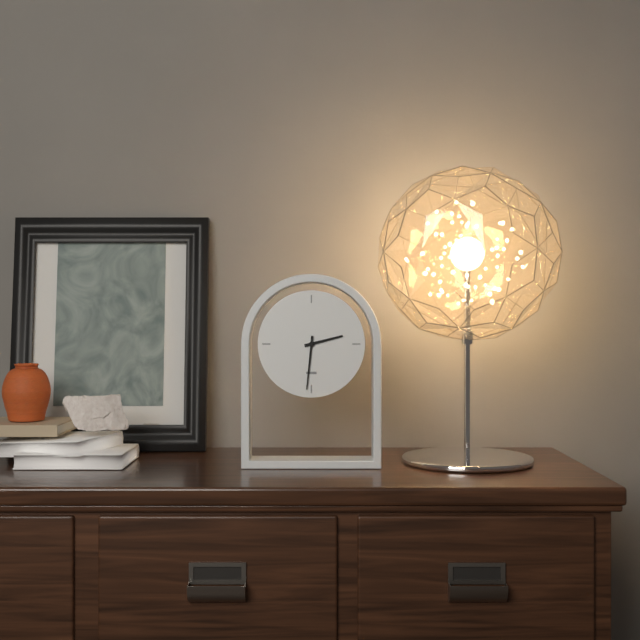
{"hour": 2, "minute": 31}
